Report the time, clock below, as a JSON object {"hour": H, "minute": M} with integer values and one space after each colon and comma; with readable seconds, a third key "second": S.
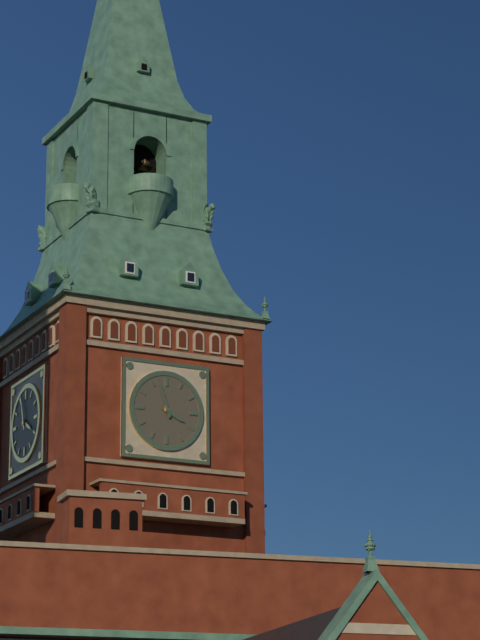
{"hour": 3, "minute": 57}
